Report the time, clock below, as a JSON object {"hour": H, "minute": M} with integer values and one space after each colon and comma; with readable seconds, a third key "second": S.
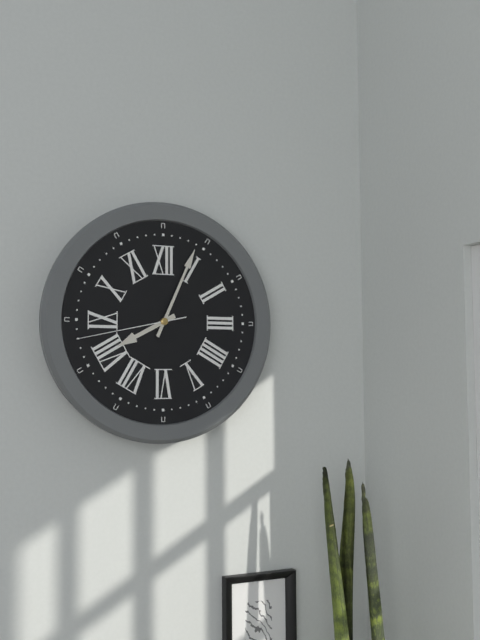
{"hour": 8, "minute": 4, "second": 43}
